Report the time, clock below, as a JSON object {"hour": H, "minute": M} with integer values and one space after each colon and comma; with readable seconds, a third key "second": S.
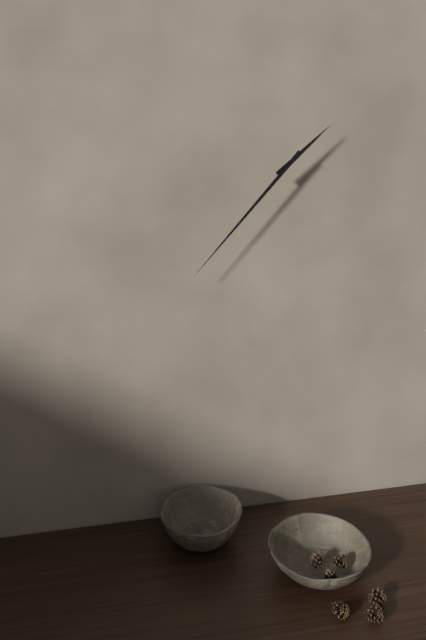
{"hour": 1, "minute": 37}
